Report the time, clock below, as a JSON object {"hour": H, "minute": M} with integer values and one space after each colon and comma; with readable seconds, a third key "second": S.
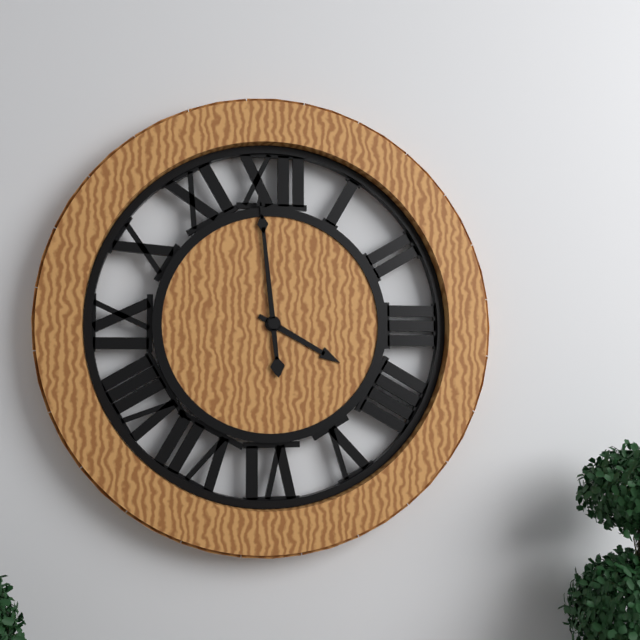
{"hour": 3, "minute": 59}
